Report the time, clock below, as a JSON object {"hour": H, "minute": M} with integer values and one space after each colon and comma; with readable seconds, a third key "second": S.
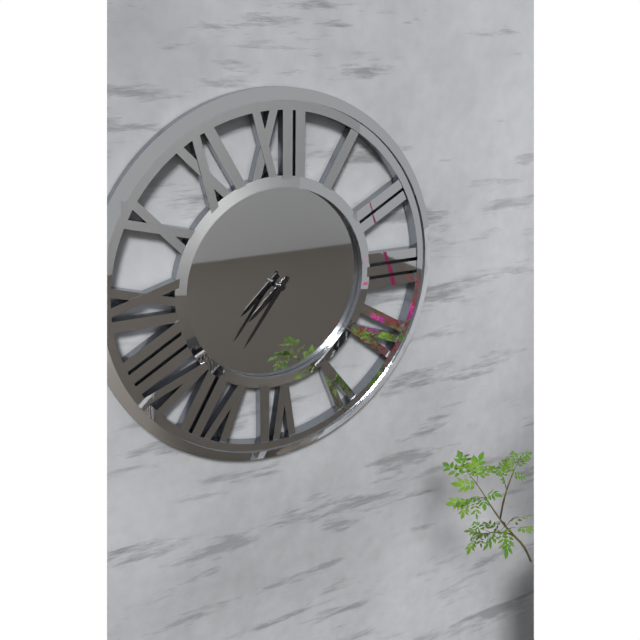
{"hour": 7, "minute": 36}
